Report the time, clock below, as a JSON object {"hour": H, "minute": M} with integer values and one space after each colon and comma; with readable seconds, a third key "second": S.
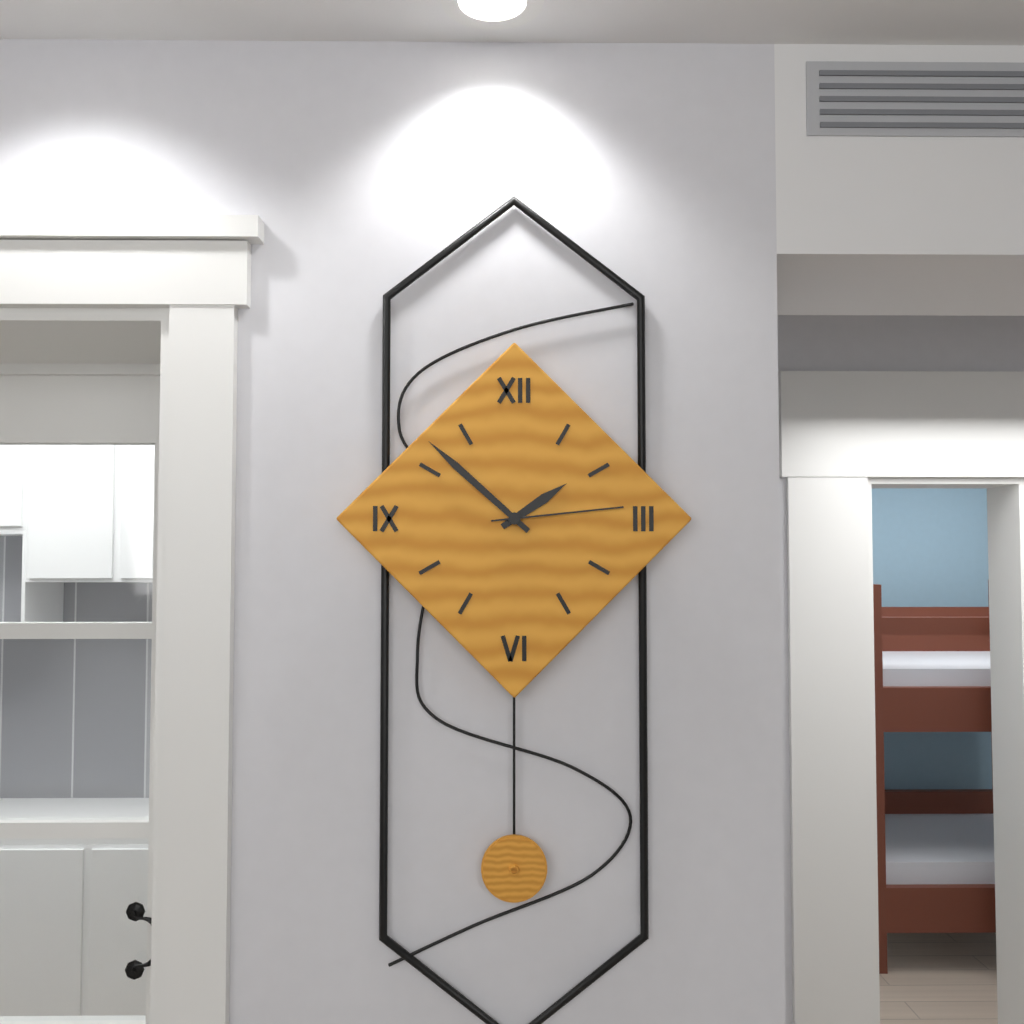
{"hour": 1, "minute": 52, "second": 14}
